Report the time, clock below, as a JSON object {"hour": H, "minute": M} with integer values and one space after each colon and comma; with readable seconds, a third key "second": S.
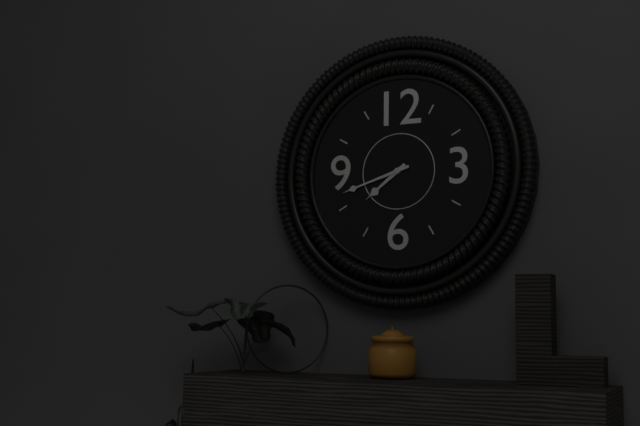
{"hour": 7, "minute": 42}
